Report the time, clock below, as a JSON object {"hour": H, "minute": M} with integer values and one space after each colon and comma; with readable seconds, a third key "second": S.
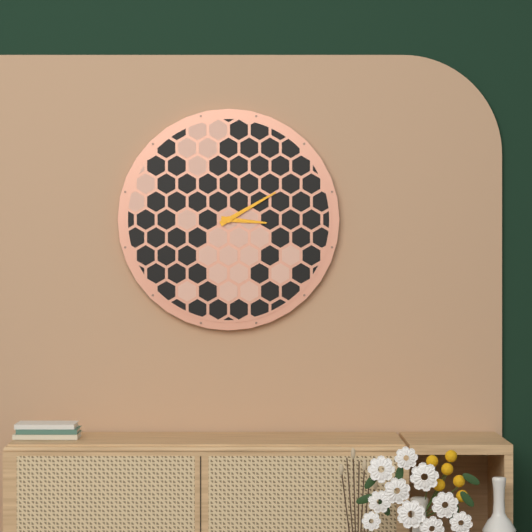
{"hour": 3, "minute": 10}
